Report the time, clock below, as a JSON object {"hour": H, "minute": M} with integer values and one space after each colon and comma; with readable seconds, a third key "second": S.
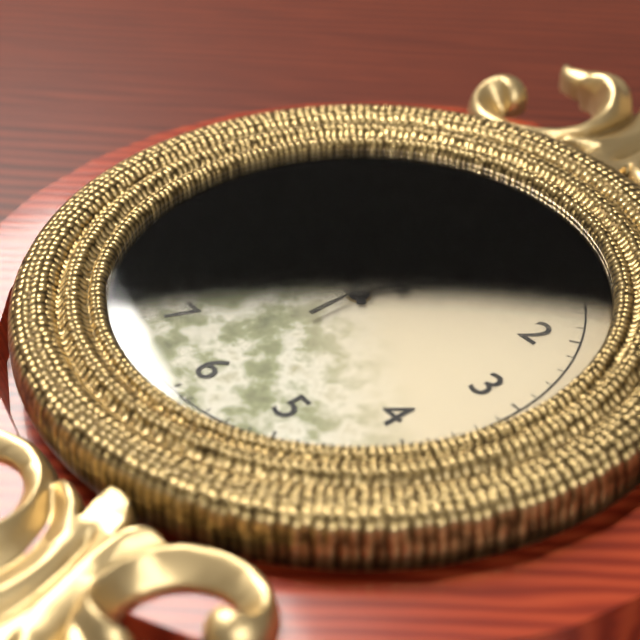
{"hour": 10, "minute": 4, "second": 0}
